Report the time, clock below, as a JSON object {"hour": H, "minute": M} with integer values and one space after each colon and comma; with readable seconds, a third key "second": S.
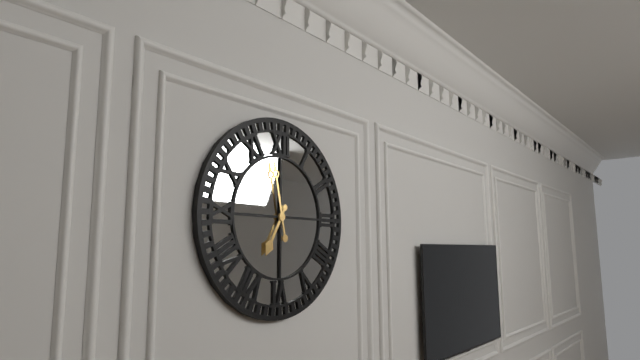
{"hour": 6, "minute": 58}
